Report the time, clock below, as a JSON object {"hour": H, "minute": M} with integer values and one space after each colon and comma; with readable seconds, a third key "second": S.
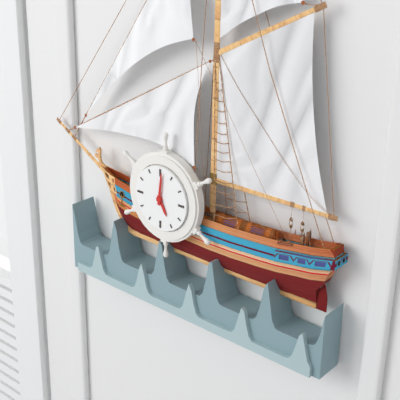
{"hour": 5, "minute": 1}
